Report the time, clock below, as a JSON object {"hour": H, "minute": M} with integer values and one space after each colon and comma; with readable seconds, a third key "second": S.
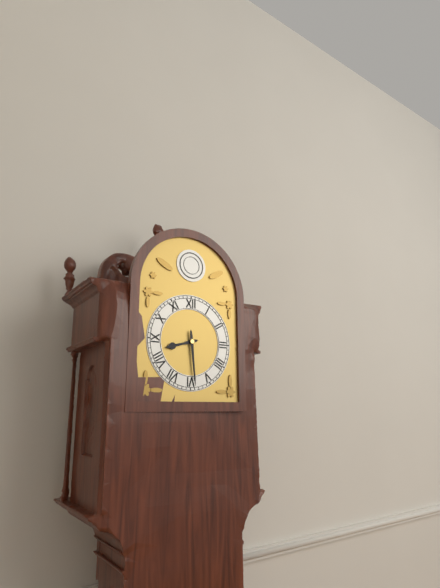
{"hour": 8, "minute": 29}
